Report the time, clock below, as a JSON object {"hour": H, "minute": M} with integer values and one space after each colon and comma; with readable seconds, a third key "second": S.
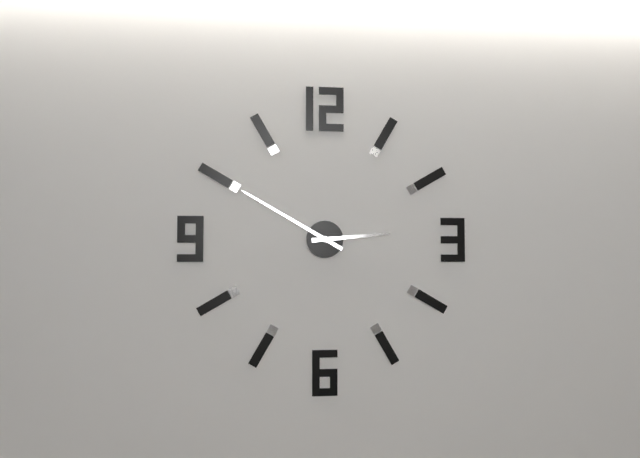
{"hour": 2, "minute": 50}
